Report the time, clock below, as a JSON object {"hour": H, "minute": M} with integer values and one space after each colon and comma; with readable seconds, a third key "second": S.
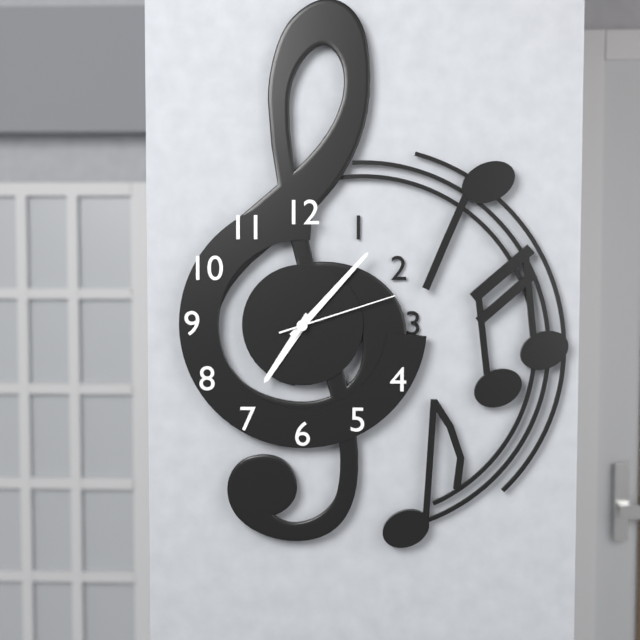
{"hour": 7, "minute": 7, "second": 12}
